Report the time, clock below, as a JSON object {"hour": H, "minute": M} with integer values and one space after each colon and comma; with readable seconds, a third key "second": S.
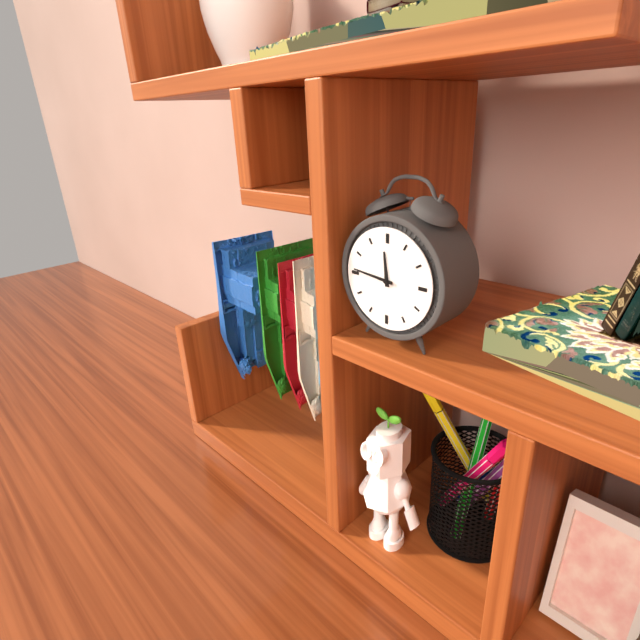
{"hour": 11, "minute": 46}
